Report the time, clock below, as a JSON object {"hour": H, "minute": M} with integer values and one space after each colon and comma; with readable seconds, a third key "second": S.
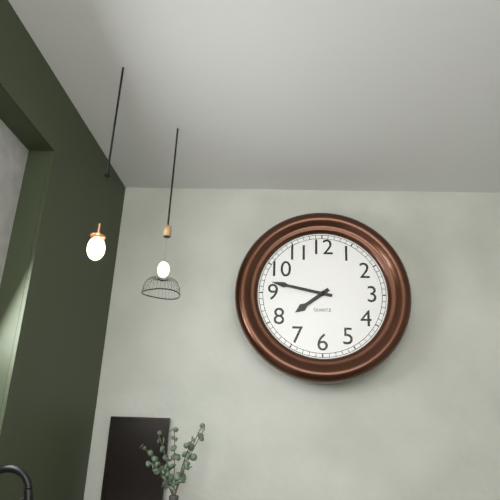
{"hour": 7, "minute": 47}
